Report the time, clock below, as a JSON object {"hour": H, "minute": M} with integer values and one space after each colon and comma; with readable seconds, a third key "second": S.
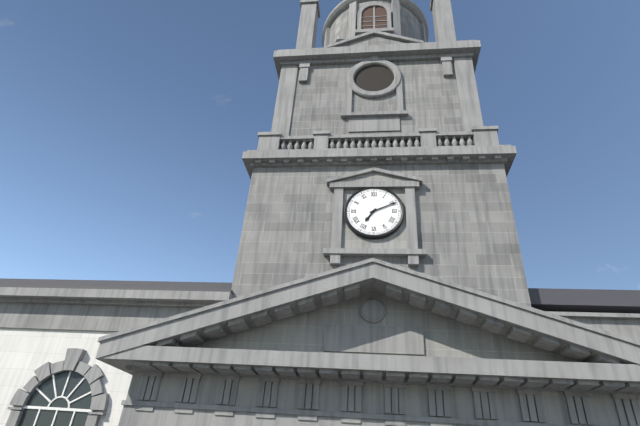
{"hour": 7, "minute": 11}
